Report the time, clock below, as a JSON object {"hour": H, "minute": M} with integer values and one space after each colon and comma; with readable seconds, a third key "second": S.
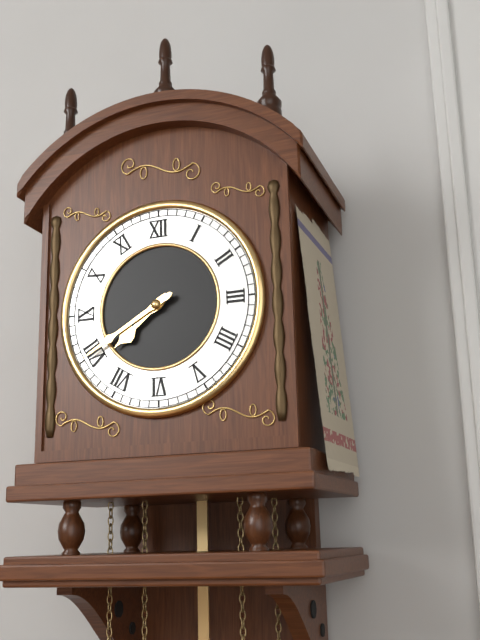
{"hour": 7, "minute": 40}
